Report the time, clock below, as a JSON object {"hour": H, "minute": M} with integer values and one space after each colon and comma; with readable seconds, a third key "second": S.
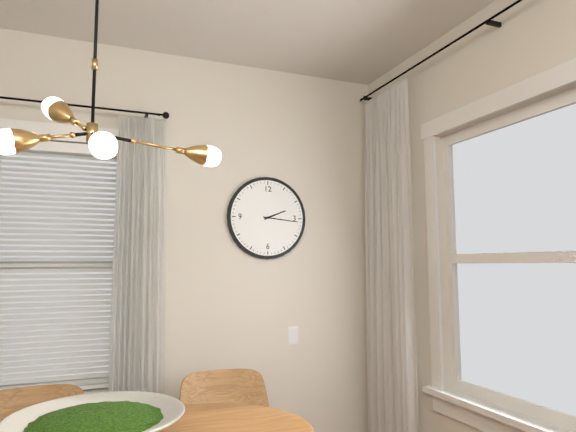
{"hour": 2, "minute": 16}
